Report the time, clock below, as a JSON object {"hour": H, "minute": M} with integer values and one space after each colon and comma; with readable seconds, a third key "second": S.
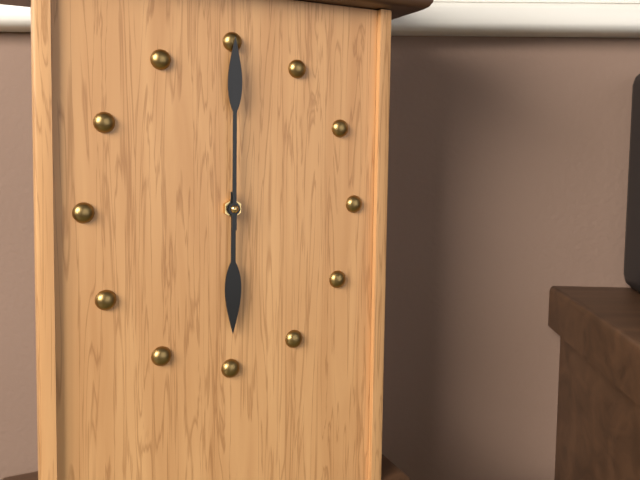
{"hour": 6, "minute": 0}
